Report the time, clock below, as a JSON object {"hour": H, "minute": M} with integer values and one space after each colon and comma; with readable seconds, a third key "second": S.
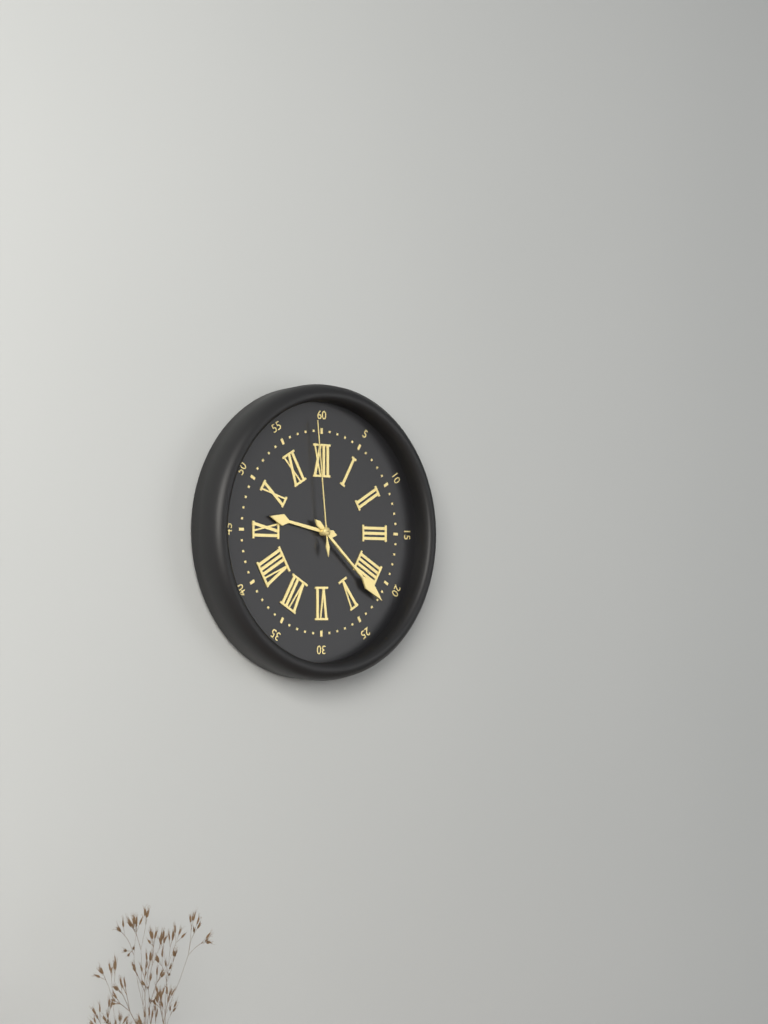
{"hour": 9, "minute": 22, "second": 59}
